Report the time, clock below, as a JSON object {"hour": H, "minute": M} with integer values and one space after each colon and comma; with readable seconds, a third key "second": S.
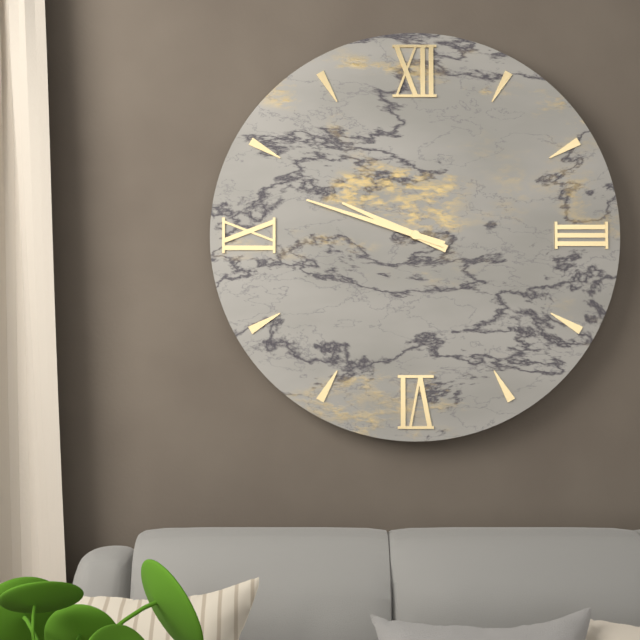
{"hour": 9, "minute": 48}
